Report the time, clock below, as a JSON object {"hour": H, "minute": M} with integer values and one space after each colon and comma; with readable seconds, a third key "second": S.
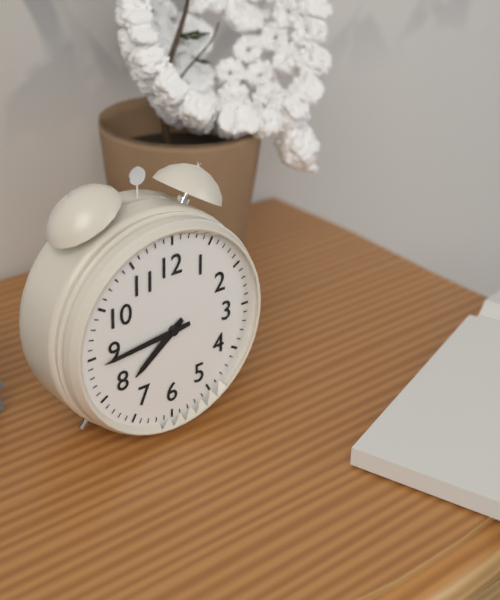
{"hour": 7, "minute": 44}
